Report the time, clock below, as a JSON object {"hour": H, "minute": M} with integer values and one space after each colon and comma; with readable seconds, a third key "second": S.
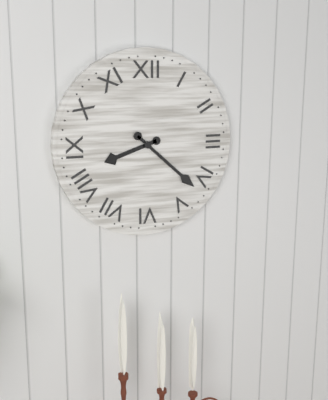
{"hour": 8, "minute": 22}
